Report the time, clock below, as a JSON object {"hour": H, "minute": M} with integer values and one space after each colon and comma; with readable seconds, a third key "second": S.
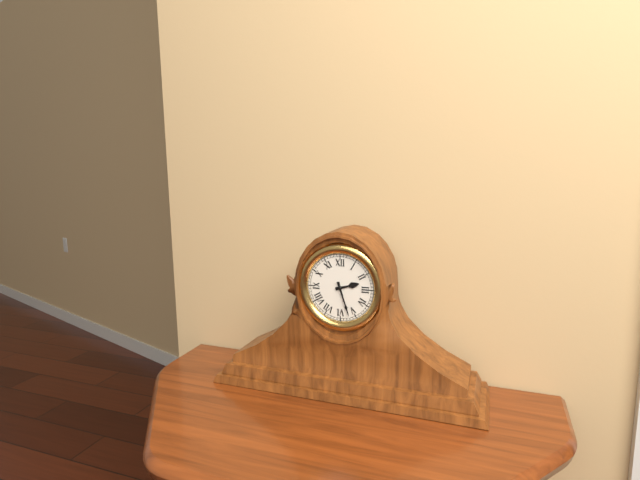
{"hour": 2, "minute": 27}
